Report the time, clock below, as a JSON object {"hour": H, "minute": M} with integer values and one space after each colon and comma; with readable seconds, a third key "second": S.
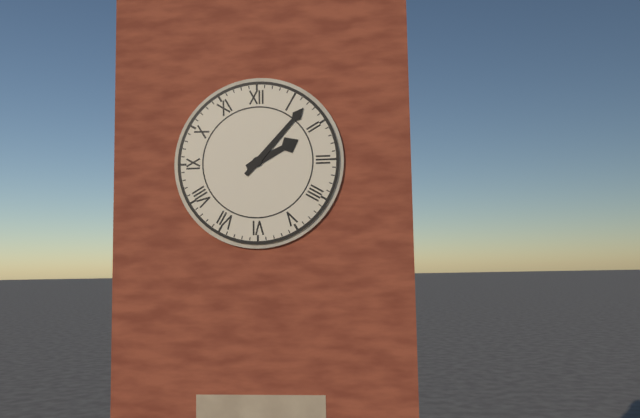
{"hour": 2, "minute": 7}
